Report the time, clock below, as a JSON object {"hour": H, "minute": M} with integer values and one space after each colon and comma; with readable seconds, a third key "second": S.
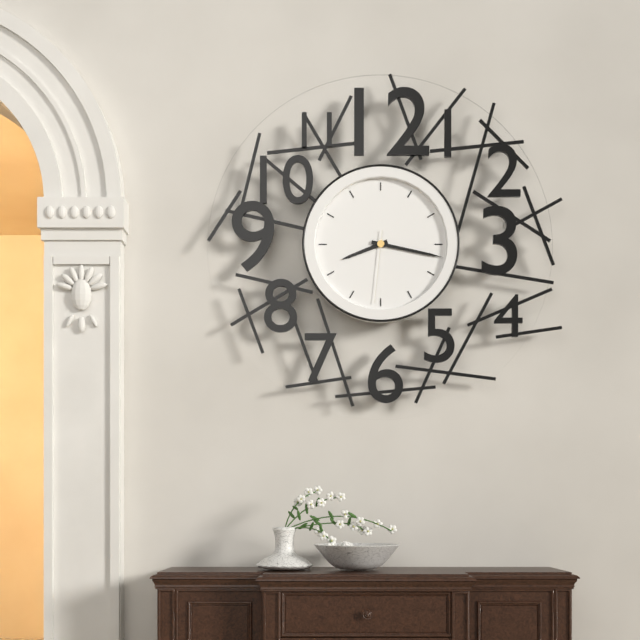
{"hour": 8, "minute": 17, "second": 31}
